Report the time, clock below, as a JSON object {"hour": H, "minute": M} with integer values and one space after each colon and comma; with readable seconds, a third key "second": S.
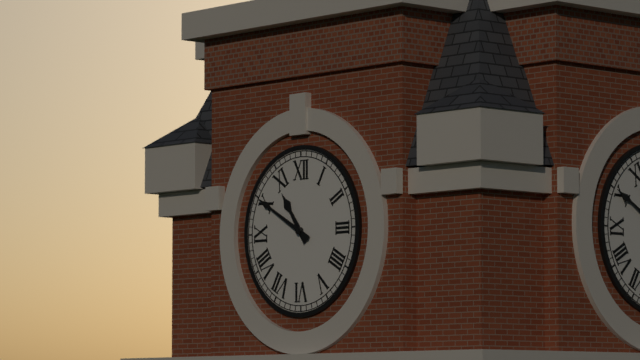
{"hour": 10, "minute": 50}
